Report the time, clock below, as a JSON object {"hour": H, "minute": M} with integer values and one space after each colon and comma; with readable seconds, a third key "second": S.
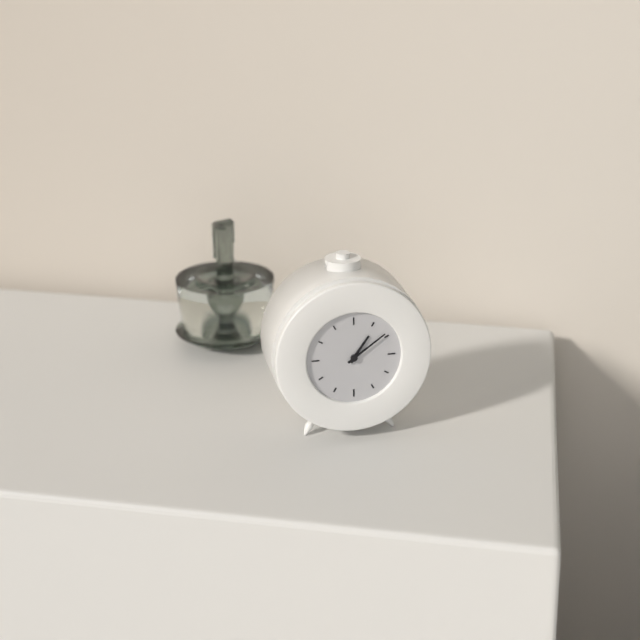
{"hour": 1, "minute": 9}
